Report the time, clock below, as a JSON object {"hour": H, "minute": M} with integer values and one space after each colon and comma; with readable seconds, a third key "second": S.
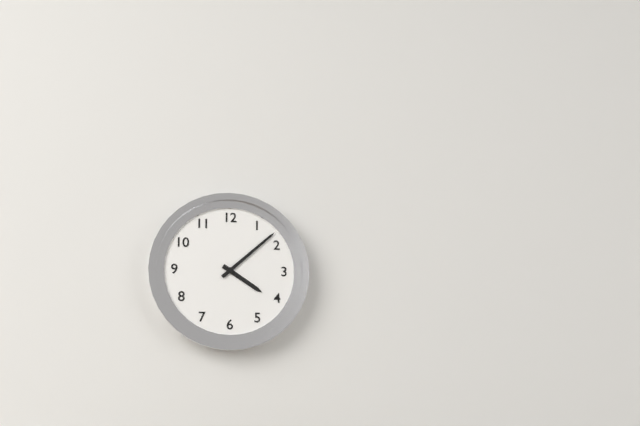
{"hour": 4, "minute": 8}
